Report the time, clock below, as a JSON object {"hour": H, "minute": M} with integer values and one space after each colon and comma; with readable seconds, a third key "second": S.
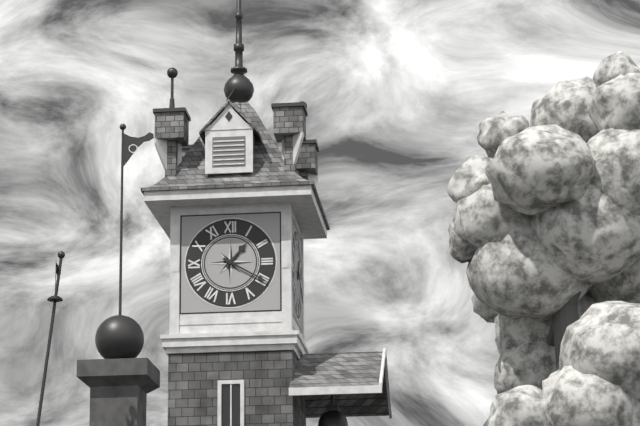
{"hour": 1, "minute": 20}
